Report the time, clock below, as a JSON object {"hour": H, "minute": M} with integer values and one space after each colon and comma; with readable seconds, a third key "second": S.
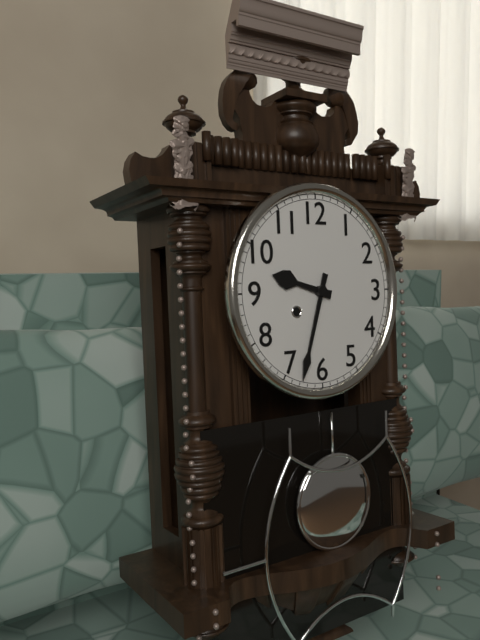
{"hour": 9, "minute": 33}
